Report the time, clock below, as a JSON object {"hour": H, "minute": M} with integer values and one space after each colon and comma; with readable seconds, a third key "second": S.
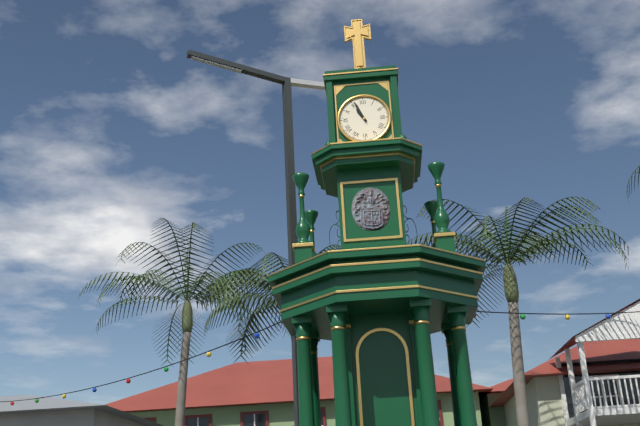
{"hour": 10, "minute": 56}
